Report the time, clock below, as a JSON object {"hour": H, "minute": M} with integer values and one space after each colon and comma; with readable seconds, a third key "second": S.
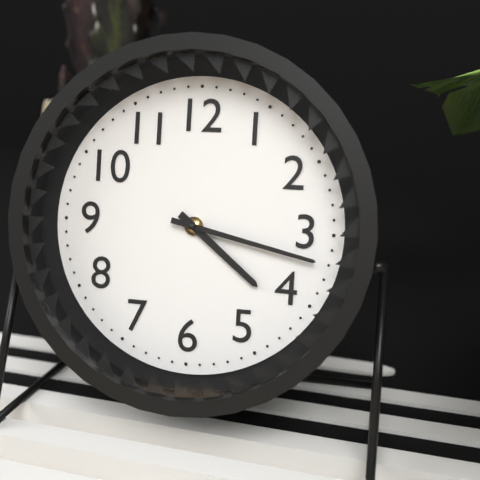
{"hour": 4, "minute": 17}
